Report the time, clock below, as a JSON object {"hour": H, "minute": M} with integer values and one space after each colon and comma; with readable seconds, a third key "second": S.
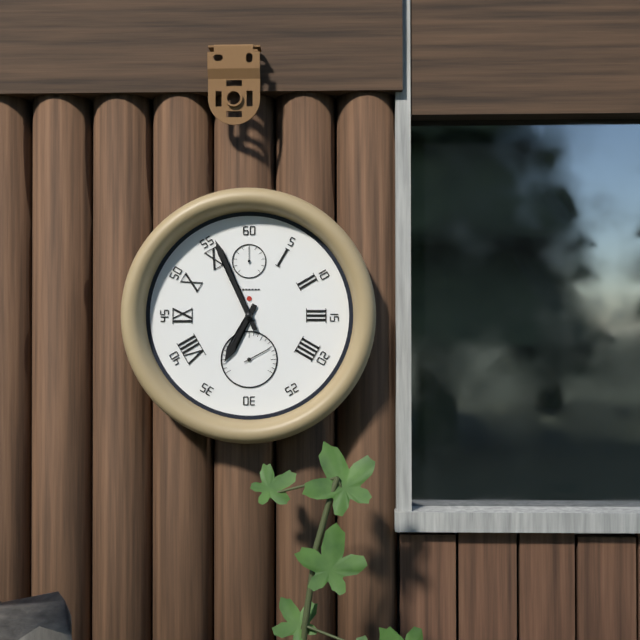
{"hour": 6, "minute": 56}
